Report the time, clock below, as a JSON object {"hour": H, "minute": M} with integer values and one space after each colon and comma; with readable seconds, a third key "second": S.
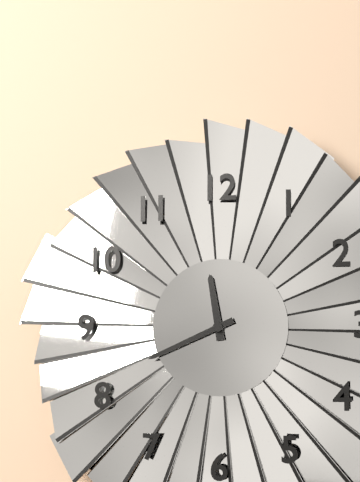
{"hour": 11, "minute": 41}
